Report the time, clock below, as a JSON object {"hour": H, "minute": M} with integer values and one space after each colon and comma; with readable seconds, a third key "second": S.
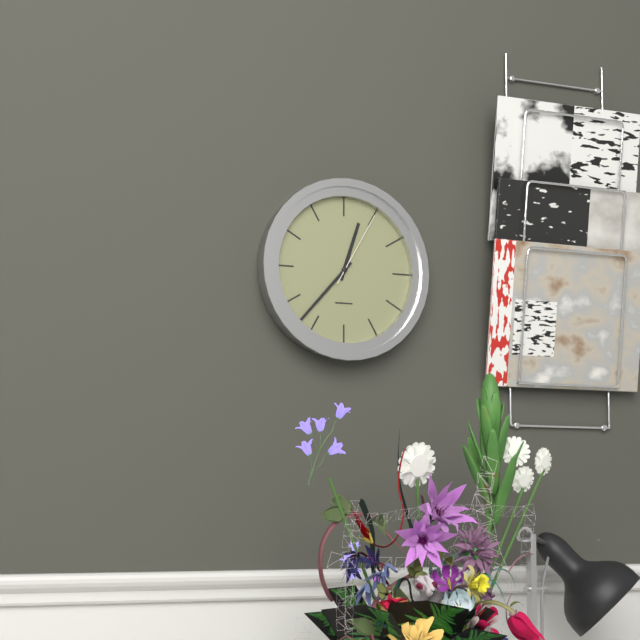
{"hour": 12, "minute": 37, "second": 5}
